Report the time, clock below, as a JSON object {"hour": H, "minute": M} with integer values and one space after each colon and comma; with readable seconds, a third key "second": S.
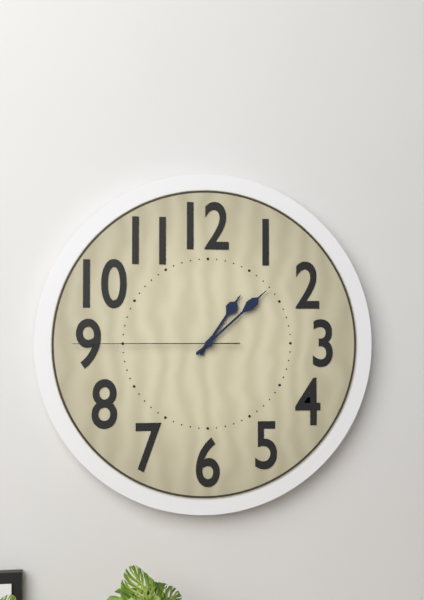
{"hour": 1, "minute": 8, "second": 45}
